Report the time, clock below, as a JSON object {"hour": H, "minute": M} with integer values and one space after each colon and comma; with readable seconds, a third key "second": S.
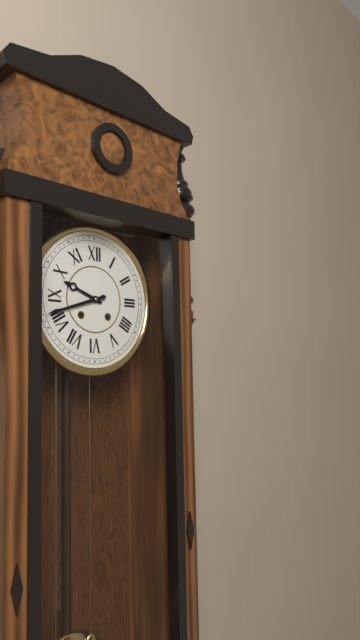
{"hour": 9, "minute": 42}
